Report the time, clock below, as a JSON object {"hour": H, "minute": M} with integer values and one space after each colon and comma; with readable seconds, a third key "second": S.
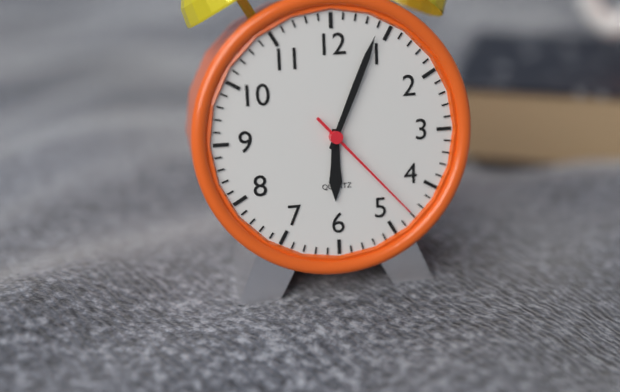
{"hour": 6, "minute": 4, "second": 23}
